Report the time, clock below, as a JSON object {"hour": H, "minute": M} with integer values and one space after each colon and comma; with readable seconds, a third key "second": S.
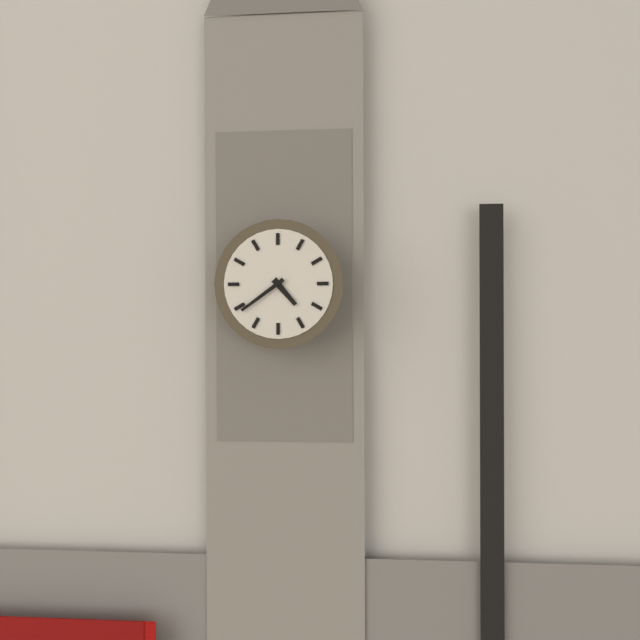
{"hour": 4, "minute": 39}
